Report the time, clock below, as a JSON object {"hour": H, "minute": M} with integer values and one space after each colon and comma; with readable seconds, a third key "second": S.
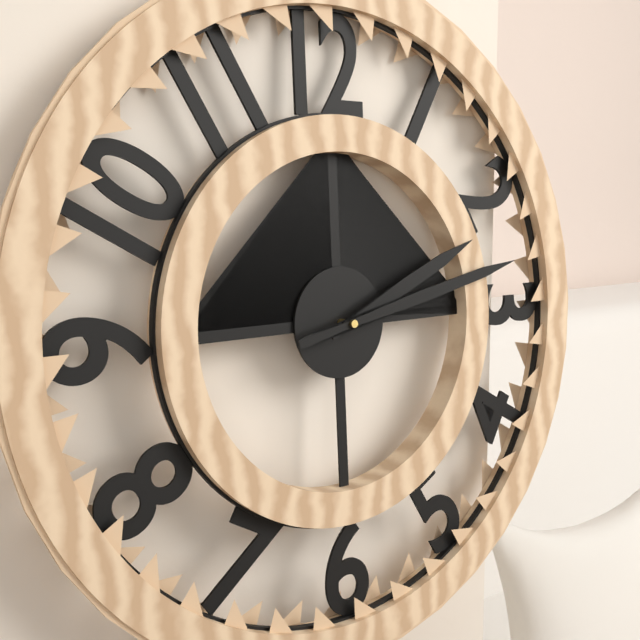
{"hour": 2, "minute": 13}
